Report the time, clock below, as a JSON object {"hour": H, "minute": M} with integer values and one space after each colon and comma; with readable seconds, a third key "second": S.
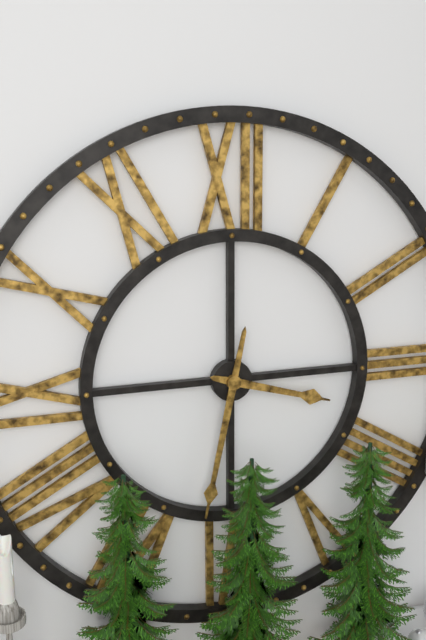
{"hour": 3, "minute": 32}
